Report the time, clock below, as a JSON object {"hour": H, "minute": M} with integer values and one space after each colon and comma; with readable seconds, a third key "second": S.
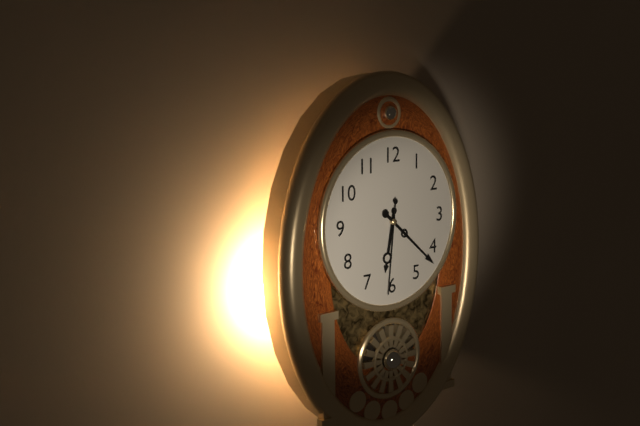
{"hour": 6, "minute": 22, "second": 31}
